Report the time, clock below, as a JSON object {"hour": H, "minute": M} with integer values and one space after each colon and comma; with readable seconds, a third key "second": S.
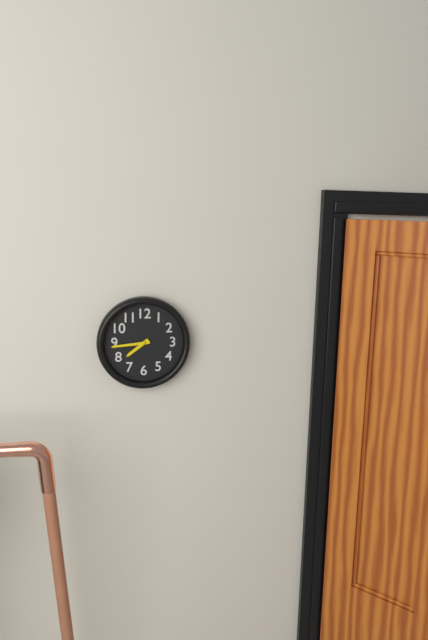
{"hour": 7, "minute": 44}
